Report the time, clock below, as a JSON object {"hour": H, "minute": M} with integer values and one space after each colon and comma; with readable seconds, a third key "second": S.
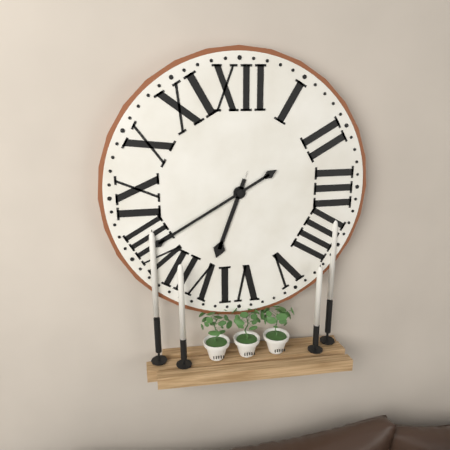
{"hour": 6, "minute": 40}
